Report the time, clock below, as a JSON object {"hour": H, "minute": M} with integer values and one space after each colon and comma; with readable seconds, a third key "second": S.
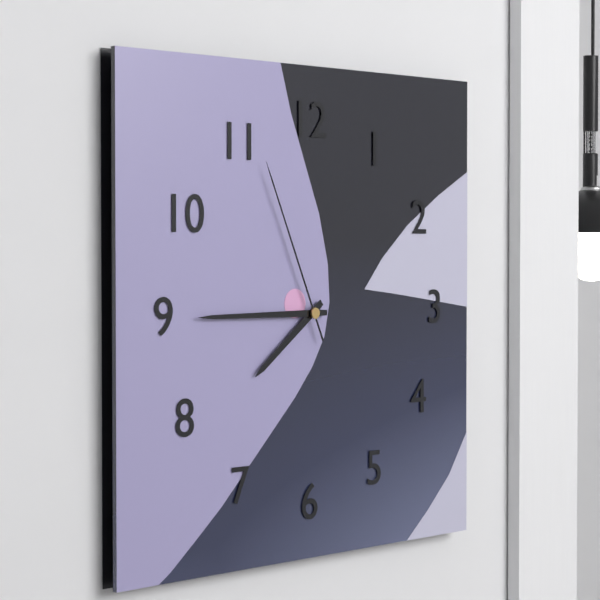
{"hour": 7, "minute": 45, "second": 56}
